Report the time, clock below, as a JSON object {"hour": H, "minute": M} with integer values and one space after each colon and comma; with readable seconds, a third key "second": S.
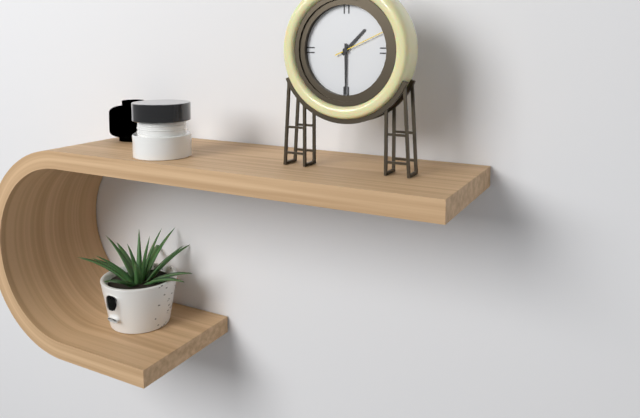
{"hour": 1, "minute": 30, "second": 11}
